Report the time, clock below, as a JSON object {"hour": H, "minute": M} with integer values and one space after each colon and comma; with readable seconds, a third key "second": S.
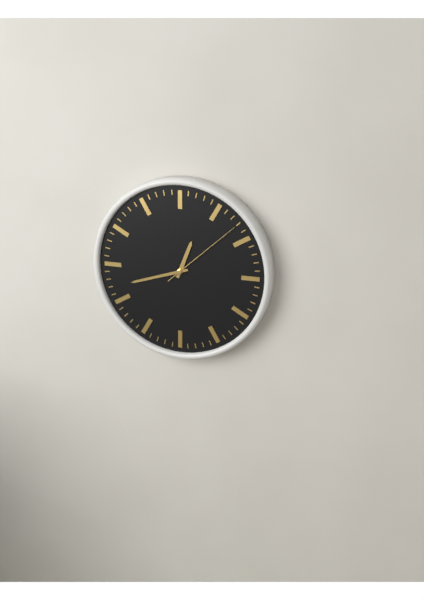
{"hour": 12, "minute": 42, "second": 8}
